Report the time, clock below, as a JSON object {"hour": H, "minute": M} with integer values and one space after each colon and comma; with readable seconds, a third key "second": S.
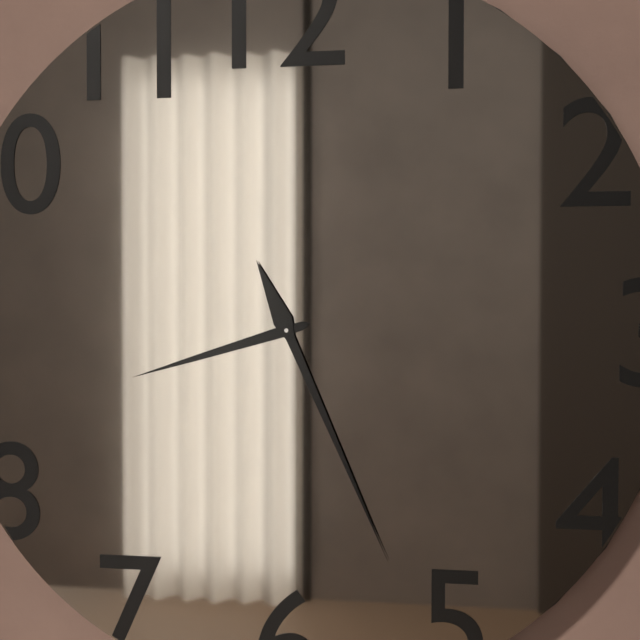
{"hour": 8, "minute": 26}
